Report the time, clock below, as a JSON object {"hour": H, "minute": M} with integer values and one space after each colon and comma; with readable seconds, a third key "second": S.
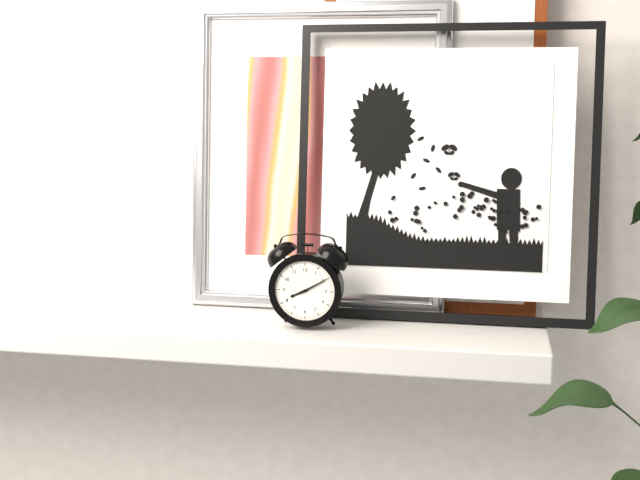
{"hour": 8, "minute": 10}
